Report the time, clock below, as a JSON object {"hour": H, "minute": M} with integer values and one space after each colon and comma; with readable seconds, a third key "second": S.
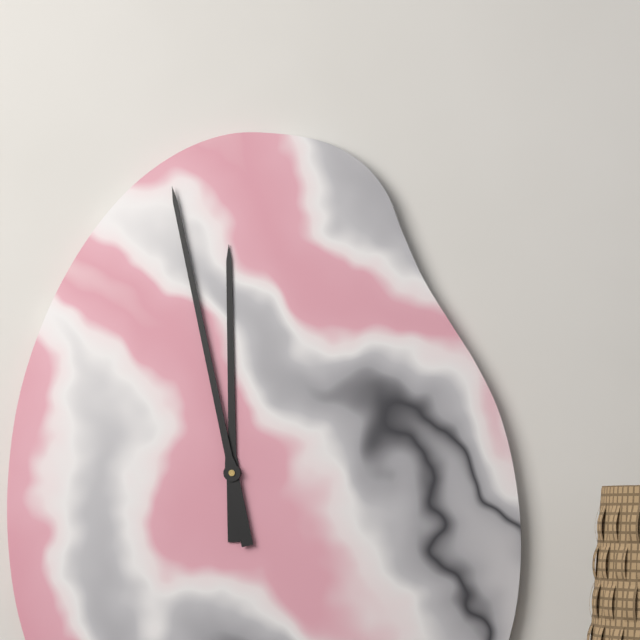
{"hour": 11, "minute": 58}
